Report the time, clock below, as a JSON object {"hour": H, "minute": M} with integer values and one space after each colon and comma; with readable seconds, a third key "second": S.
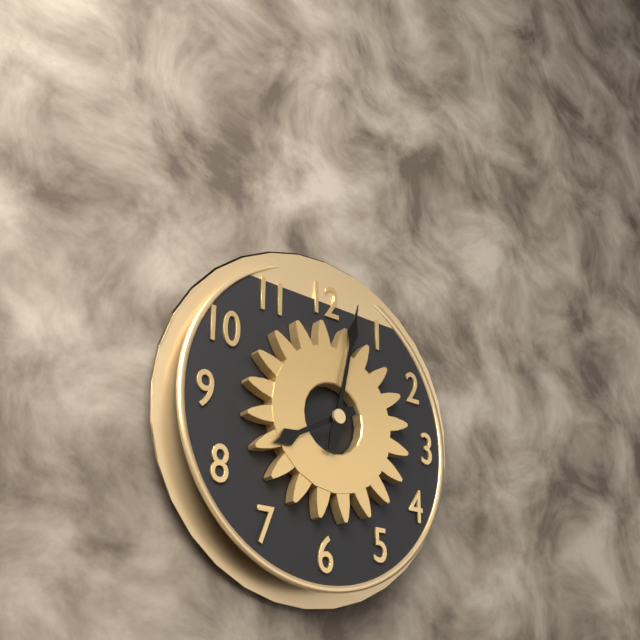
{"hour": 8, "minute": 2}
